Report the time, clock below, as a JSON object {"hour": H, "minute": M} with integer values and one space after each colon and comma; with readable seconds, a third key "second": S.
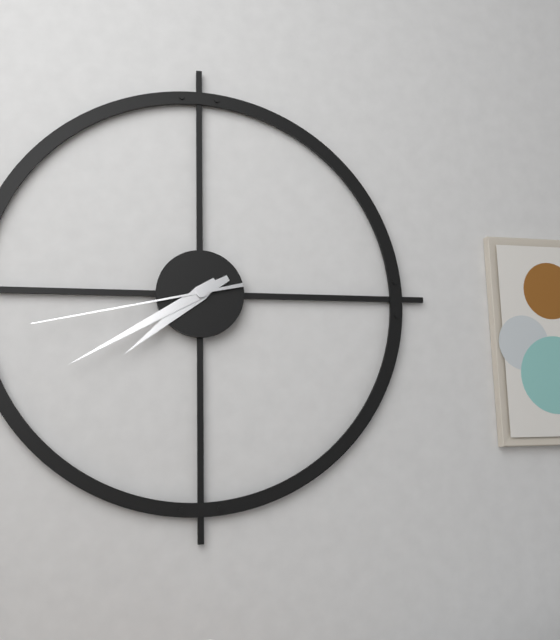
{"hour": 7, "minute": 40, "second": 43}
